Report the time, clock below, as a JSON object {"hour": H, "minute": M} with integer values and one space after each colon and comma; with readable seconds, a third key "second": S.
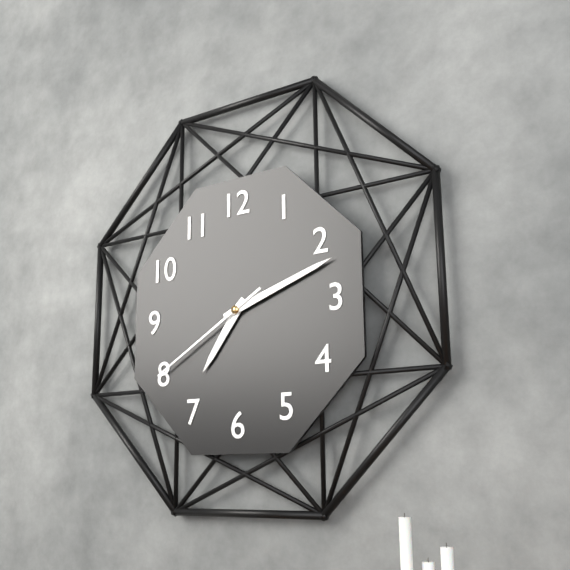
{"hour": 7, "minute": 12, "second": 40}
